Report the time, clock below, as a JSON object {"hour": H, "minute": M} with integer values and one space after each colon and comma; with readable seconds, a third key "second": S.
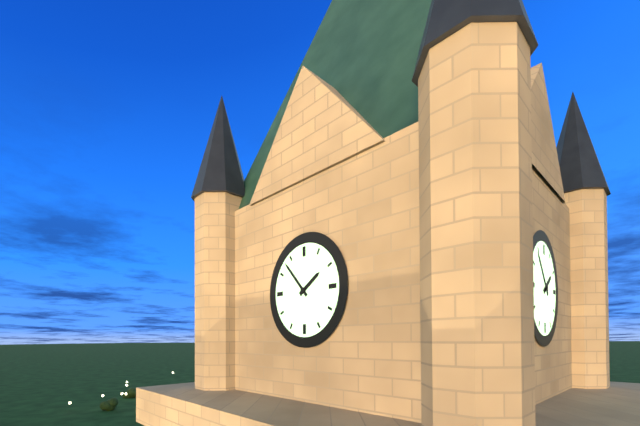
{"hour": 1, "minute": 53}
